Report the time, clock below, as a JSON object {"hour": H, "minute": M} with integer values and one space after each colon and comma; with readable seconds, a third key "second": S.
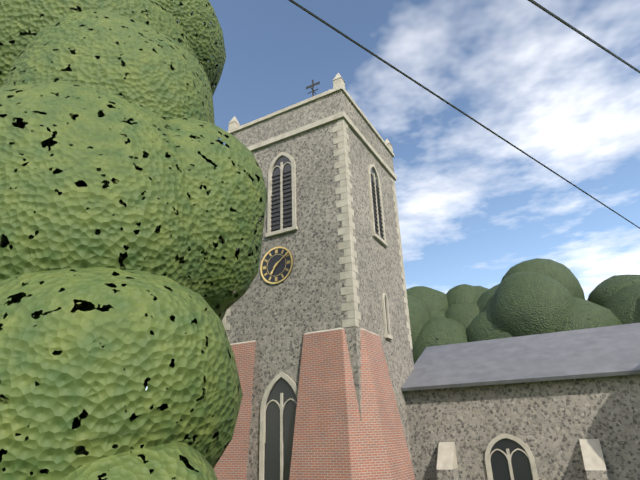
{"hour": 7, "minute": 9}
